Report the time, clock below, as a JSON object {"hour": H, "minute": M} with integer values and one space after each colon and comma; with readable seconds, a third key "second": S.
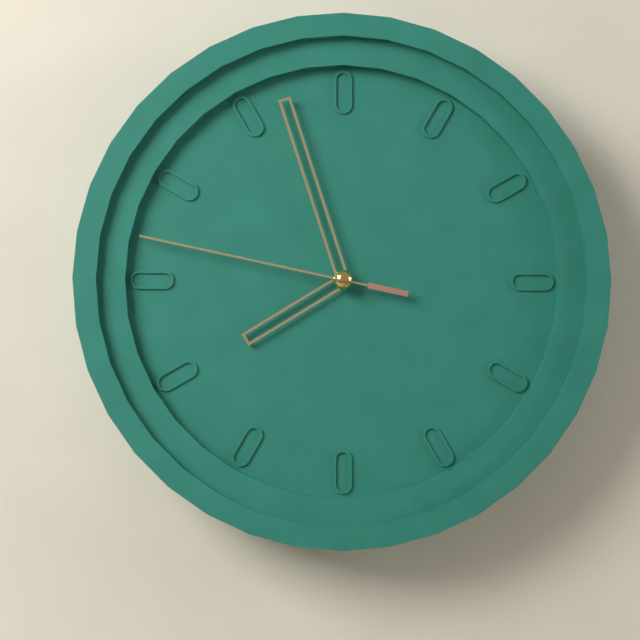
{"hour": 7, "minute": 57, "second": 47}
